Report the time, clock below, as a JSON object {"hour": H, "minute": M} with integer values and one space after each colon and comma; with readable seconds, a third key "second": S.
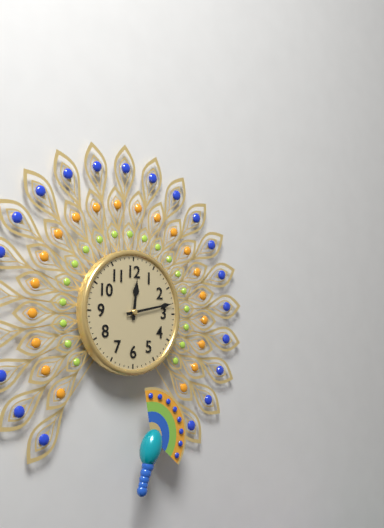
{"hour": 12, "minute": 13}
